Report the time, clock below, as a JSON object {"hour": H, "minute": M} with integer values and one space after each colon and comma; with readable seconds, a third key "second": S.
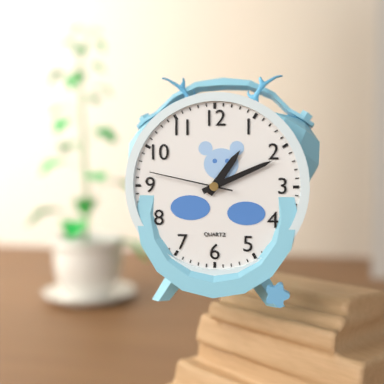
{"hour": 1, "minute": 11, "second": 47}
